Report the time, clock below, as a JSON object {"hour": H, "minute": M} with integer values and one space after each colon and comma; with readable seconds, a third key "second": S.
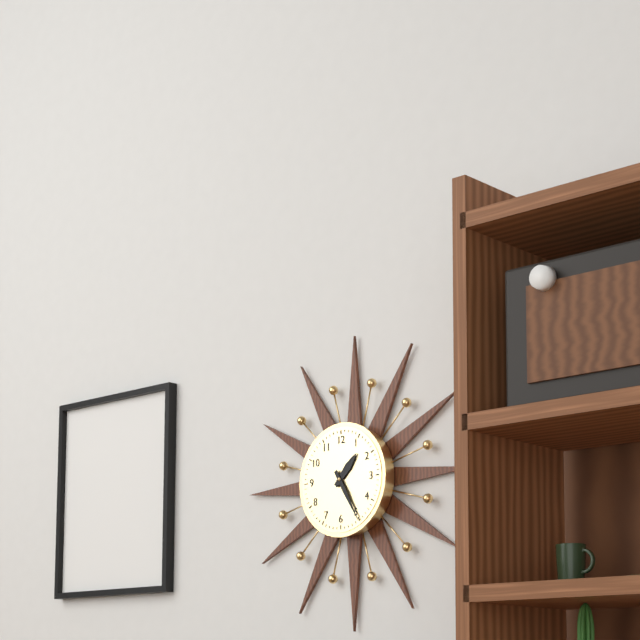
{"hour": 1, "minute": 25}
